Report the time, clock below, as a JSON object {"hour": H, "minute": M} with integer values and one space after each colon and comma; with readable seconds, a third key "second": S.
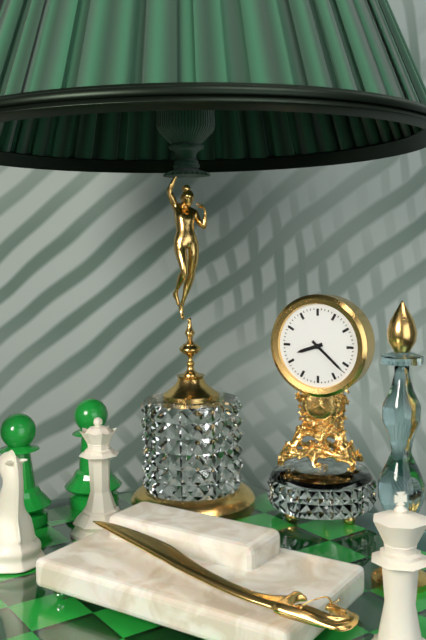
{"hour": 8, "minute": 22}
